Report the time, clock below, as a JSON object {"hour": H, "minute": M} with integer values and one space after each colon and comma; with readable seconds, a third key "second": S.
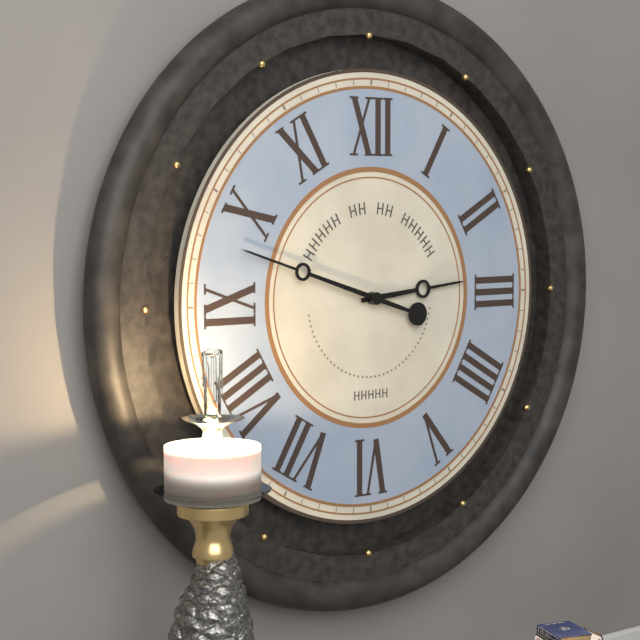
{"hour": 2, "minute": 48}
